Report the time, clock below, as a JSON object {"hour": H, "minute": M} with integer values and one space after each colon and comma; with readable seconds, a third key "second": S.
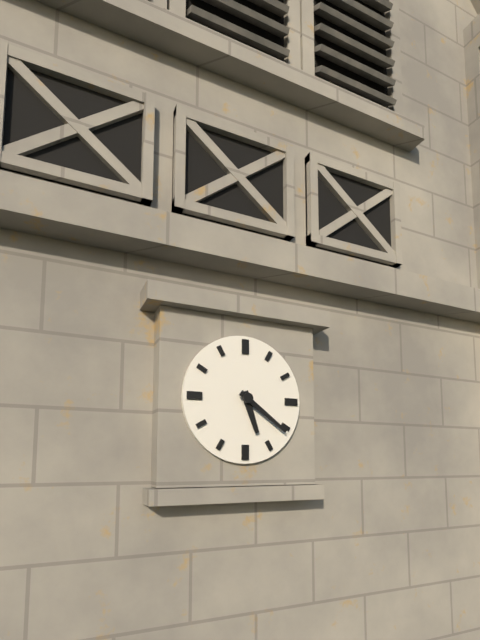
{"hour": 5, "minute": 21}
